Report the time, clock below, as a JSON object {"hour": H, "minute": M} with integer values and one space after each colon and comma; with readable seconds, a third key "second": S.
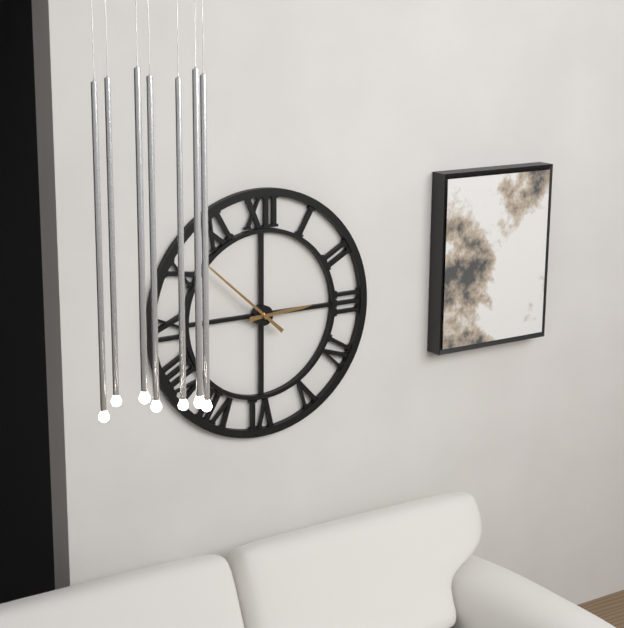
{"hour": 2, "minute": 52}
